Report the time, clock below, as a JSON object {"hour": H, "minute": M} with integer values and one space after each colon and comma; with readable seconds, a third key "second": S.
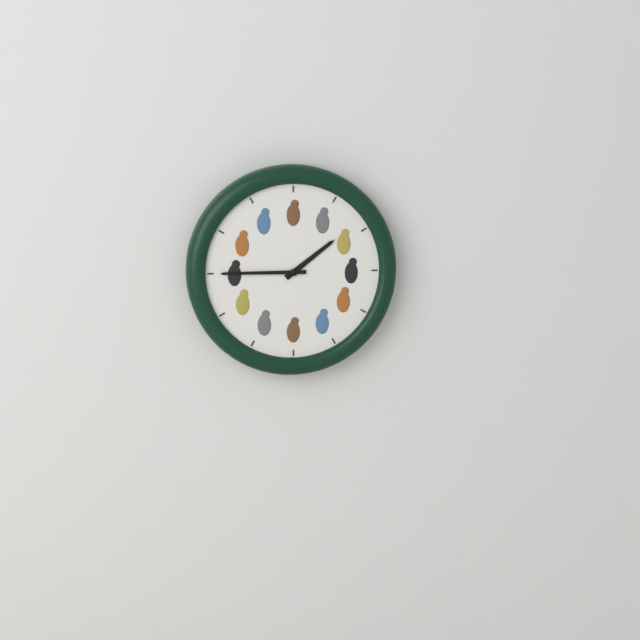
{"hour": 1, "minute": 45}
